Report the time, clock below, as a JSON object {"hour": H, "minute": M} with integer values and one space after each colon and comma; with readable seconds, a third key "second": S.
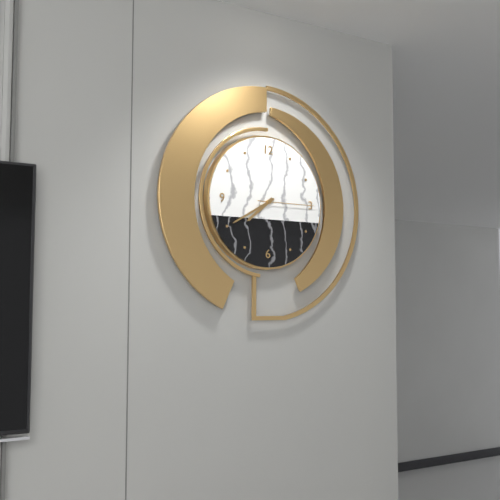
{"hour": 7, "minute": 40, "second": 15}
